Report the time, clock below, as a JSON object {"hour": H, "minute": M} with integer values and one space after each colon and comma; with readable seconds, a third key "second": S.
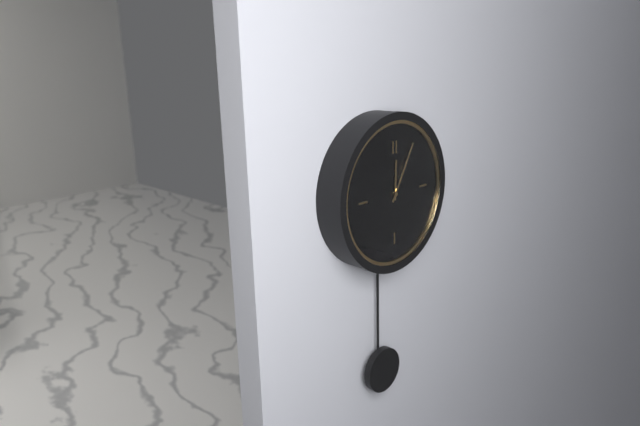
{"hour": 12, "minute": 5}
